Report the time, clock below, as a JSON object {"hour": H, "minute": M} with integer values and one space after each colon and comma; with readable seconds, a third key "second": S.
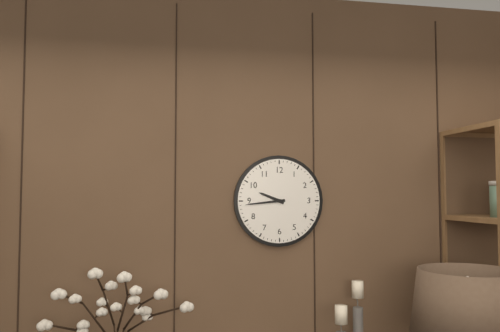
{"hour": 9, "minute": 44}
